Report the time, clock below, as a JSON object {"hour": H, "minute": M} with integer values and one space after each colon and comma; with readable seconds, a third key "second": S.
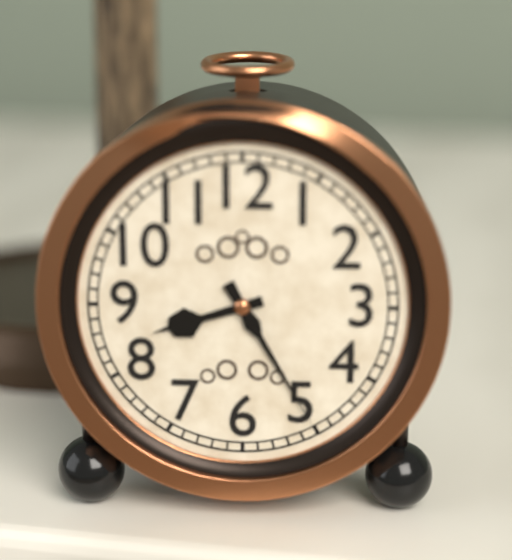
{"hour": 8, "minute": 25}
